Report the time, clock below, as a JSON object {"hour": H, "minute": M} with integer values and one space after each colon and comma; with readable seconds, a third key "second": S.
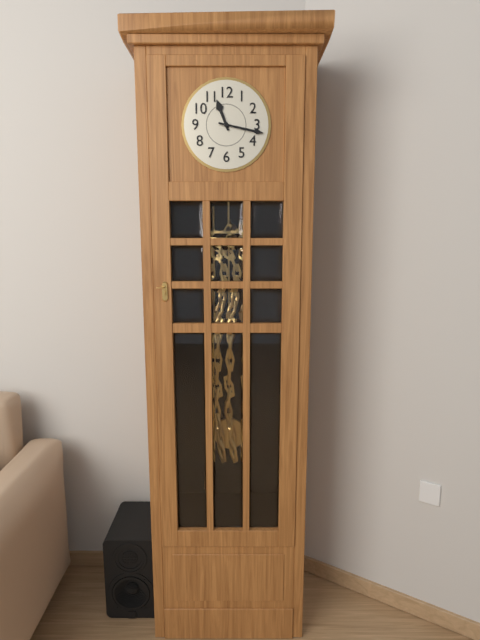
{"hour": 11, "minute": 17}
